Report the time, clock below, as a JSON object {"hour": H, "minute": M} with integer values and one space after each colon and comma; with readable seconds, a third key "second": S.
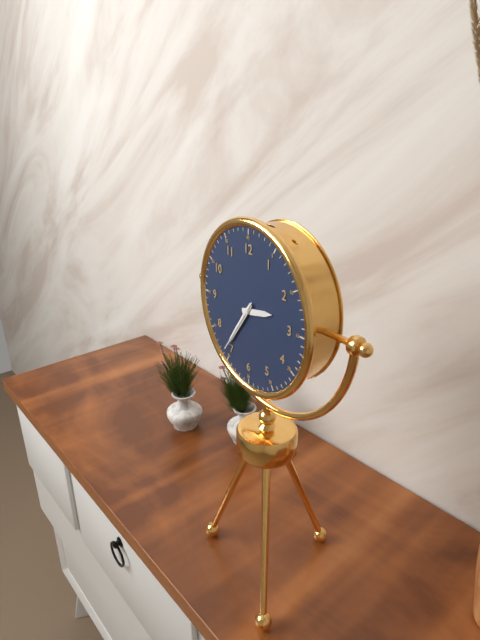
{"hour": 2, "minute": 36, "second": 36}
